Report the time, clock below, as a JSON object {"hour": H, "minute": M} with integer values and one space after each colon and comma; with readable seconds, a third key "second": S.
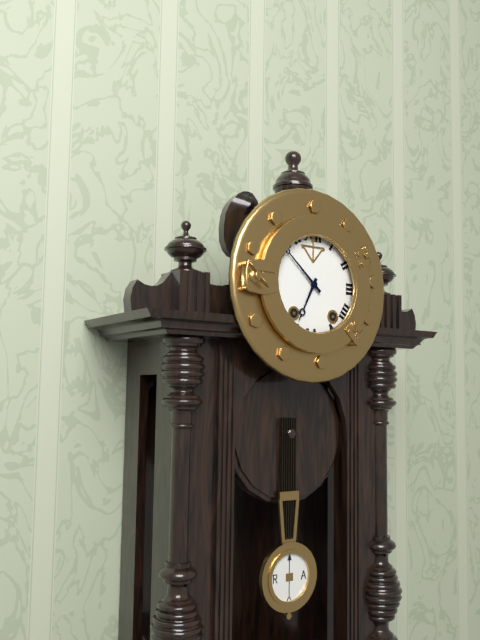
{"hour": 6, "minute": 52}
